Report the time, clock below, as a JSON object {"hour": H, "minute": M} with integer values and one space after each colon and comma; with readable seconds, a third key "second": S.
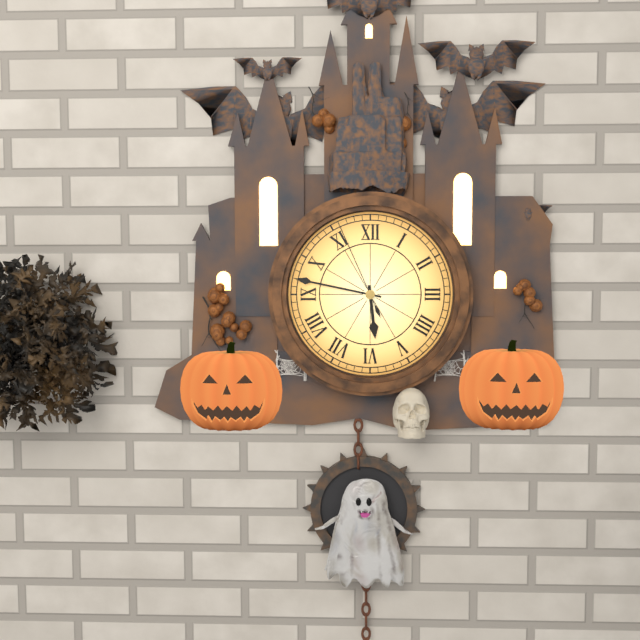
{"hour": 5, "minute": 47, "second": 56}
